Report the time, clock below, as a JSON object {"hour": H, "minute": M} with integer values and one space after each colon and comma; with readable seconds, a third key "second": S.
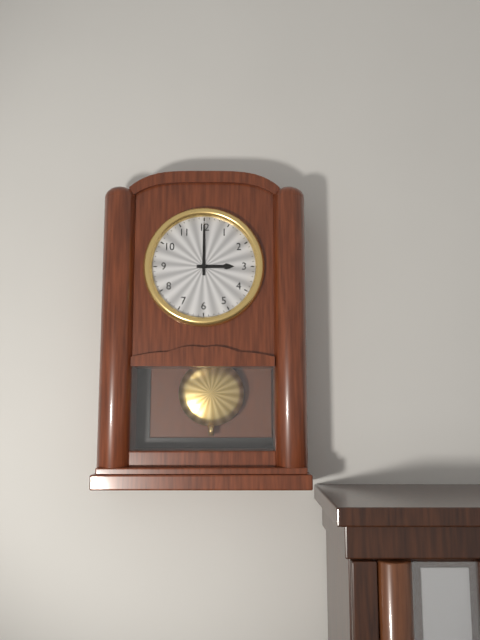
{"hour": 3, "minute": 0}
